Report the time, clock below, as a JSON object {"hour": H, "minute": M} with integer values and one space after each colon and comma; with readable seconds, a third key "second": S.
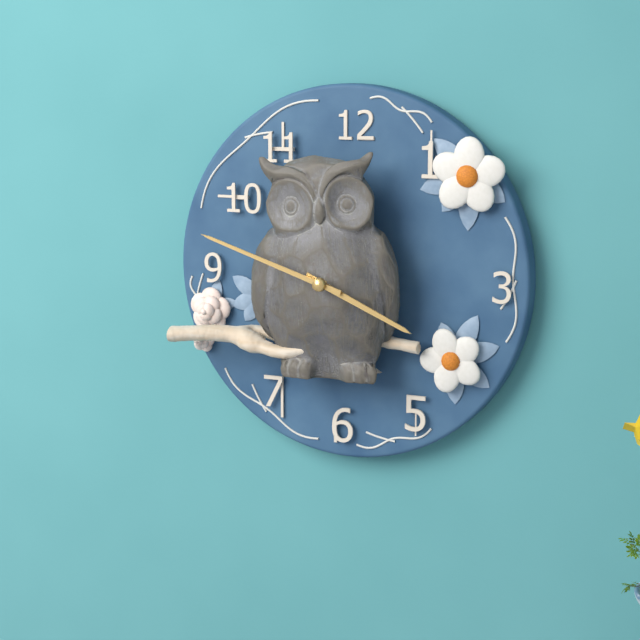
{"hour": 3, "minute": 48}
